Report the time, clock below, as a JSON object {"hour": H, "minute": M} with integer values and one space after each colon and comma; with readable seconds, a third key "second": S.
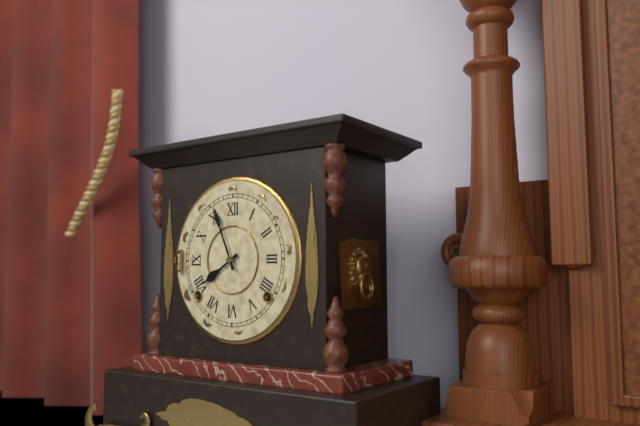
{"hour": 7, "minute": 56}
